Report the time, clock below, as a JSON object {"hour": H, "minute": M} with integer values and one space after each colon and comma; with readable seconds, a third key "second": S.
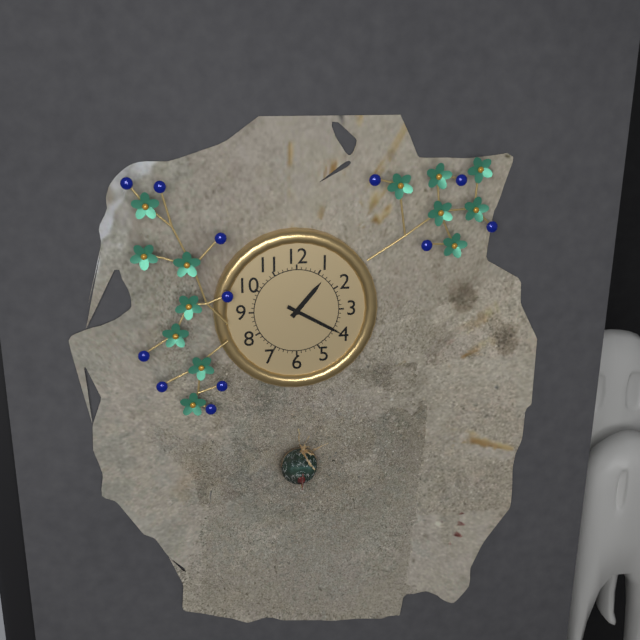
{"hour": 1, "minute": 20}
